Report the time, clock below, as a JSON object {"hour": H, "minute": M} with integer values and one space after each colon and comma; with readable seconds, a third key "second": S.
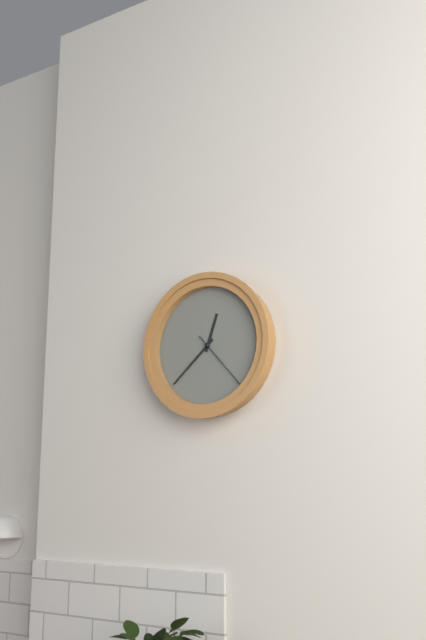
{"hour": 12, "minute": 38, "second": 23}
